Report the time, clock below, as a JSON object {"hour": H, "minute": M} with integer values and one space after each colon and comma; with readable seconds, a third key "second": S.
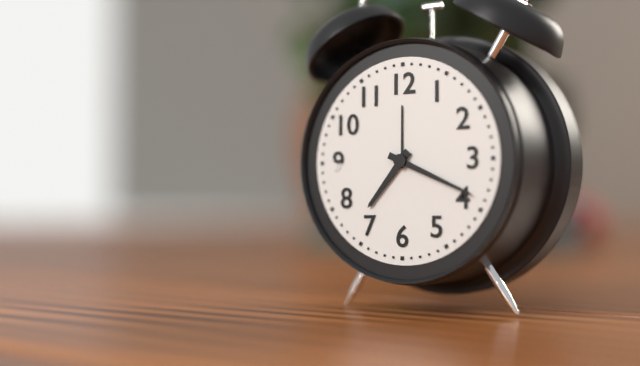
{"hour": 7, "minute": 19}
